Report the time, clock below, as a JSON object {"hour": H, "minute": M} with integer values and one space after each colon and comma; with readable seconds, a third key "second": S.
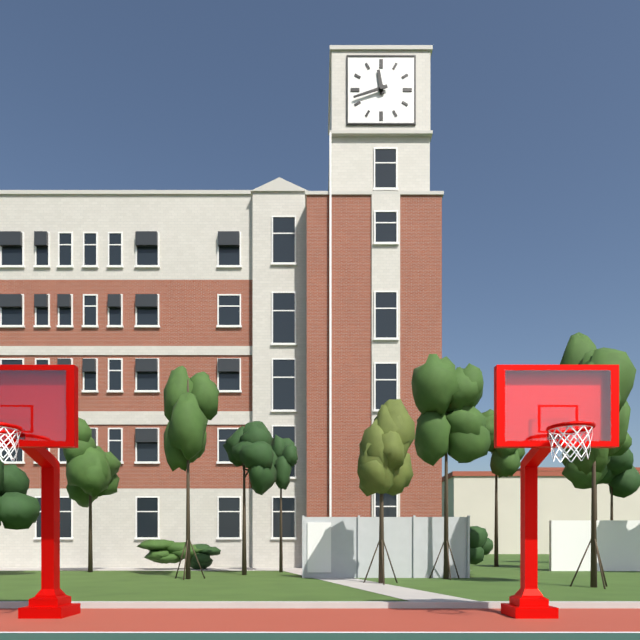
{"hour": 11, "minute": 42}
